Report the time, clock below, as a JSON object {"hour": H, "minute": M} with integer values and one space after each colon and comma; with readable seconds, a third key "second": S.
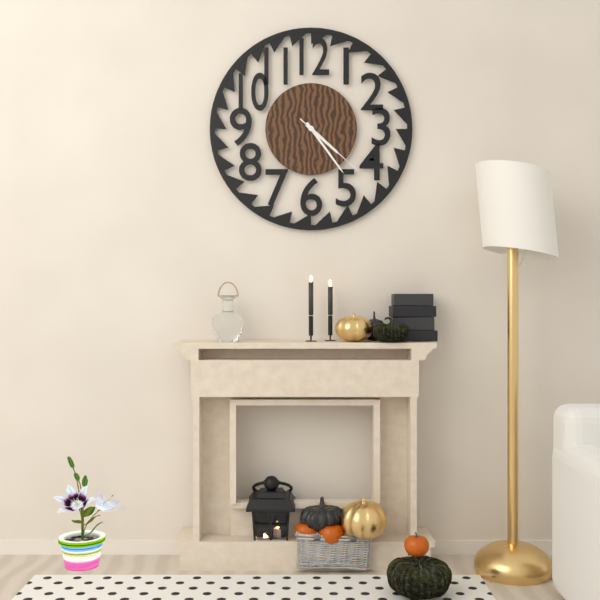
{"hour": 4, "minute": 24, "second": 22}
